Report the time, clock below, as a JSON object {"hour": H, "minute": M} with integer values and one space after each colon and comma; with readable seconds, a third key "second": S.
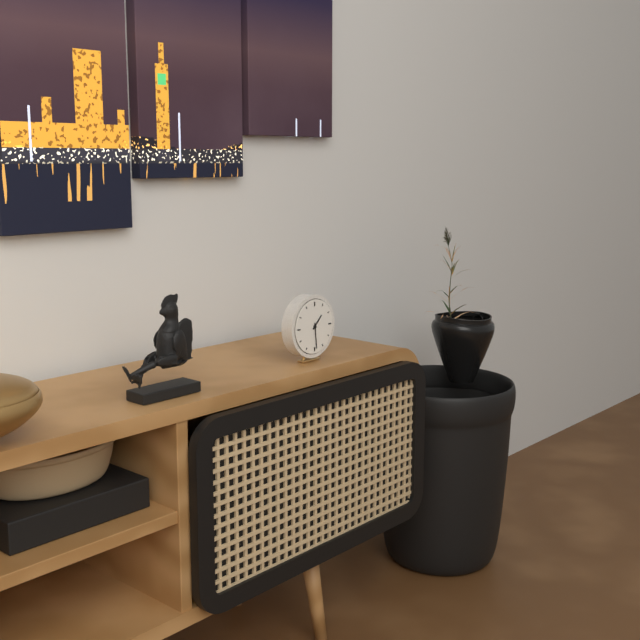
{"hour": 1, "minute": 29}
